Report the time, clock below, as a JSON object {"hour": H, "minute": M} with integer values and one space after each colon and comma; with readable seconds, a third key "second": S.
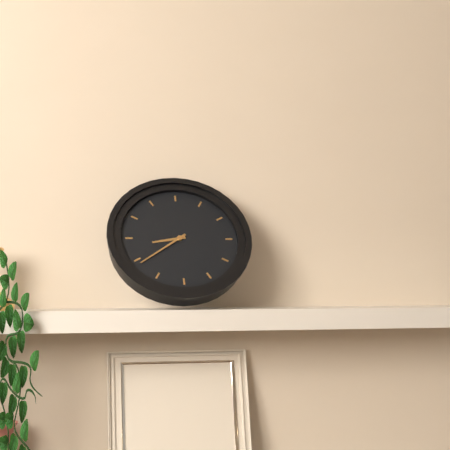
{"hour": 8, "minute": 39}
